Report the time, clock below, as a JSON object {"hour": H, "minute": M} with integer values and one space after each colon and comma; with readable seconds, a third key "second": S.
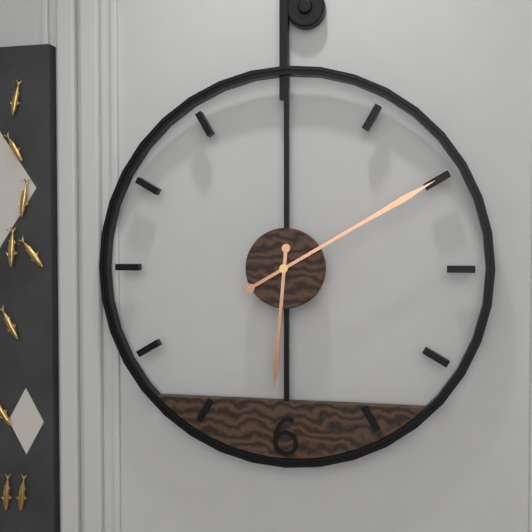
{"hour": 6, "minute": 10}
